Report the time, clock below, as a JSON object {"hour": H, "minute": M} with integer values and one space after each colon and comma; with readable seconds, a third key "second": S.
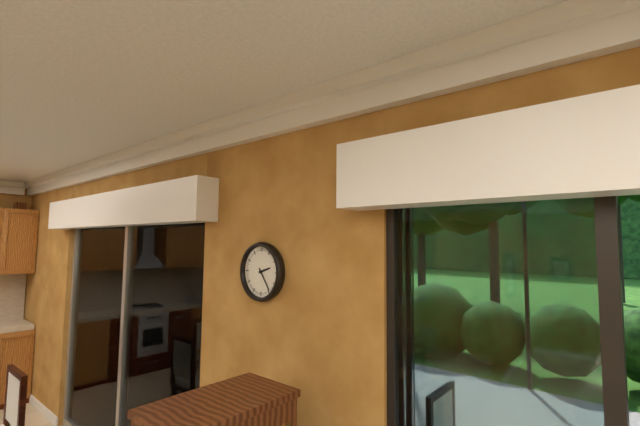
{"hour": 2, "minute": 24}
